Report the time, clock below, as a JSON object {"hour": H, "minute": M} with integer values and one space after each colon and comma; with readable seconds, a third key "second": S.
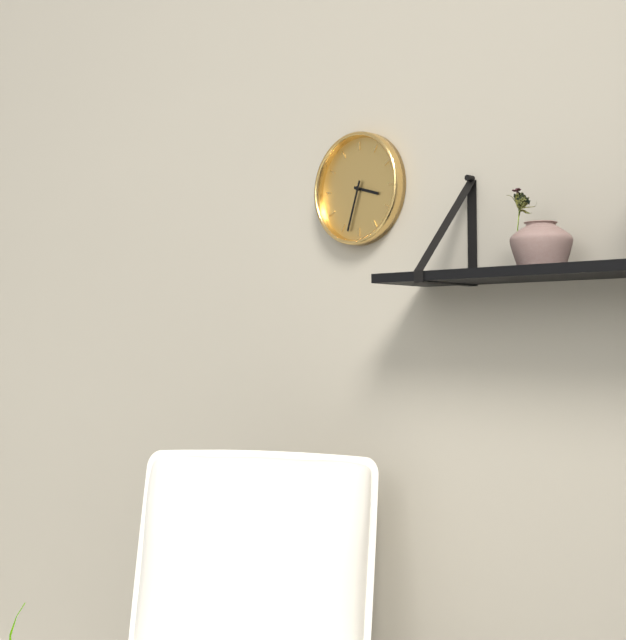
{"hour": 3, "minute": 33}
